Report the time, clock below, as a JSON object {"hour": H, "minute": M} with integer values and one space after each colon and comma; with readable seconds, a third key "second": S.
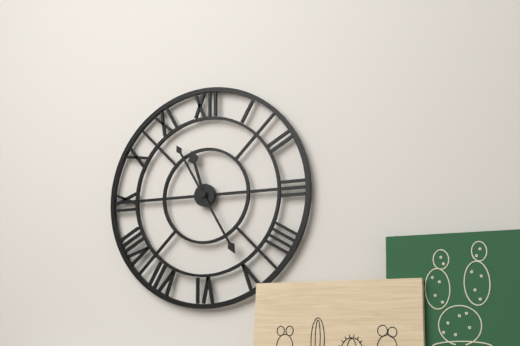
{"hour": 11, "minute": 25}
